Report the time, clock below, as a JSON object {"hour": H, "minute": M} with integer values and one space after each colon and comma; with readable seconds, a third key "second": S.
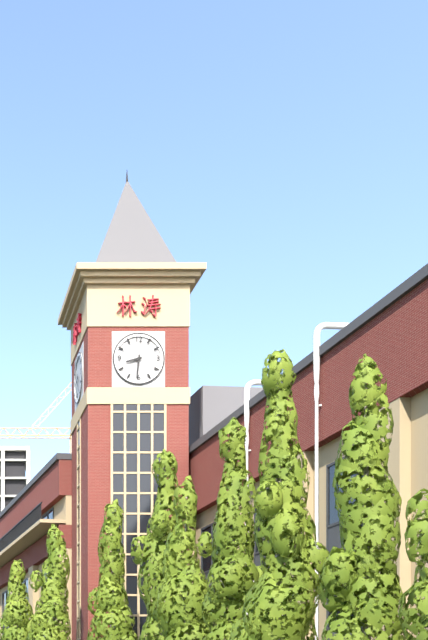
{"hour": 8, "minute": 31}
